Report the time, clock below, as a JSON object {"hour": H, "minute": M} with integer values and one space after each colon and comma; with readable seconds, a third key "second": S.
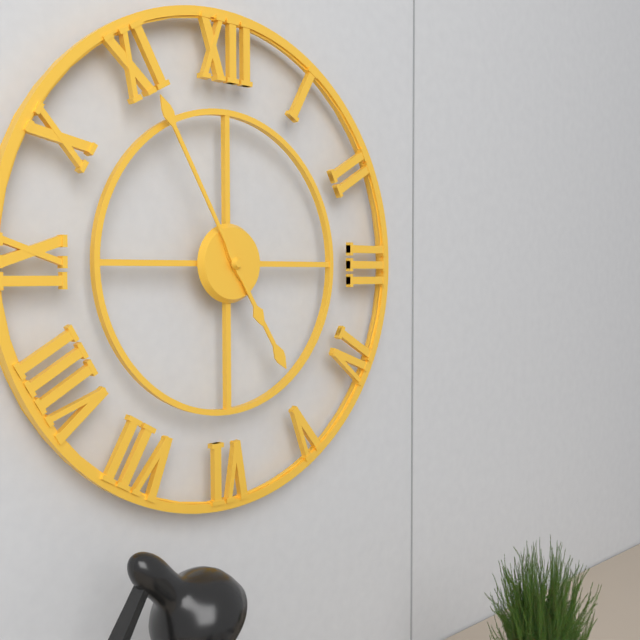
{"hour": 4, "minute": 55}
